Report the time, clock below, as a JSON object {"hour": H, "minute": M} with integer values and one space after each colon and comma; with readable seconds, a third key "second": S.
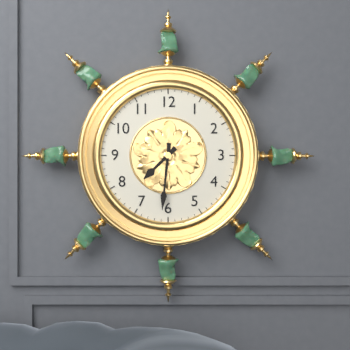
{"hour": 7, "minute": 31}
